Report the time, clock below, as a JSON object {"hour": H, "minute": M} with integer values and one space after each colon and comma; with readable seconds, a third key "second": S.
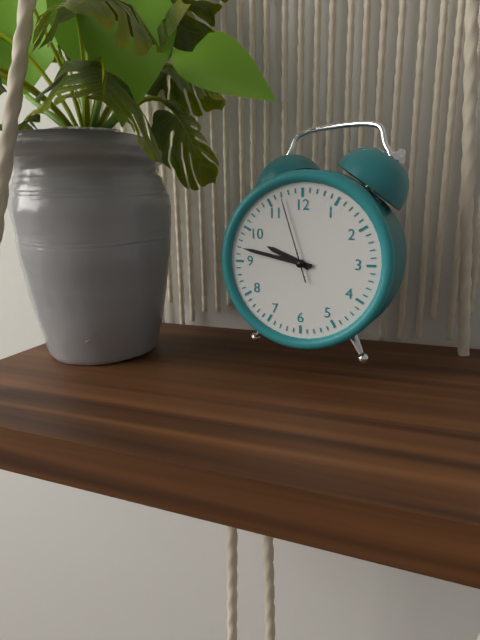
{"hour": 9, "minute": 47, "second": 57}
